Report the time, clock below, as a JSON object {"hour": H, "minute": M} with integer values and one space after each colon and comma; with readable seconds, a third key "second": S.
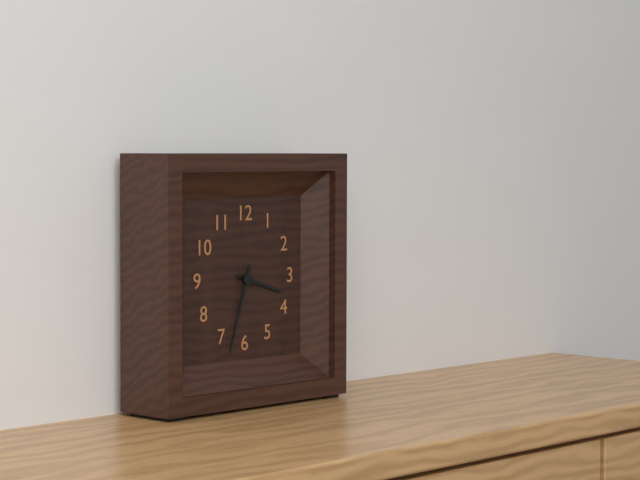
{"hour": 3, "minute": 33}
